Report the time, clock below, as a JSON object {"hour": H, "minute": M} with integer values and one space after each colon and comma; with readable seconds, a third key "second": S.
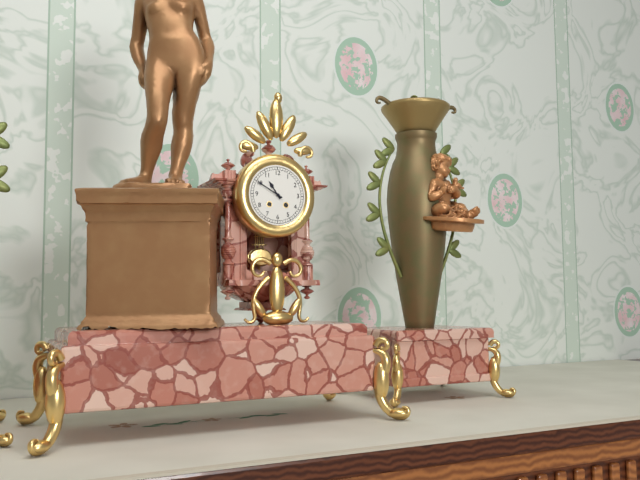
{"hour": 10, "minute": 50}
